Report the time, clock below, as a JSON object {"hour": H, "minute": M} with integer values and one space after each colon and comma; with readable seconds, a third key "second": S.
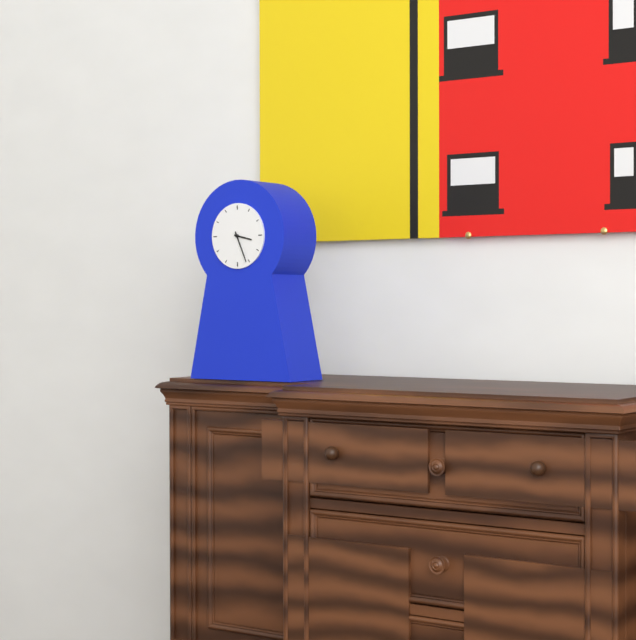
{"hour": 3, "minute": 26}
